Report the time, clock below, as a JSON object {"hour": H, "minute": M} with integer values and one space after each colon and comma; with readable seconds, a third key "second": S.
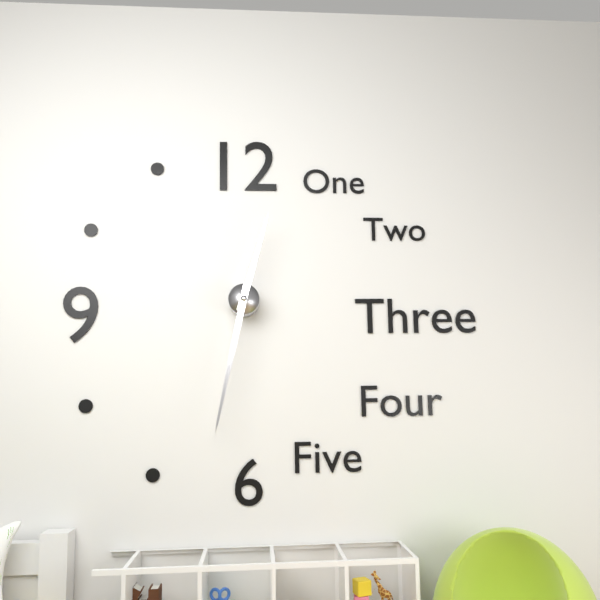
{"hour": 12, "minute": 32}
